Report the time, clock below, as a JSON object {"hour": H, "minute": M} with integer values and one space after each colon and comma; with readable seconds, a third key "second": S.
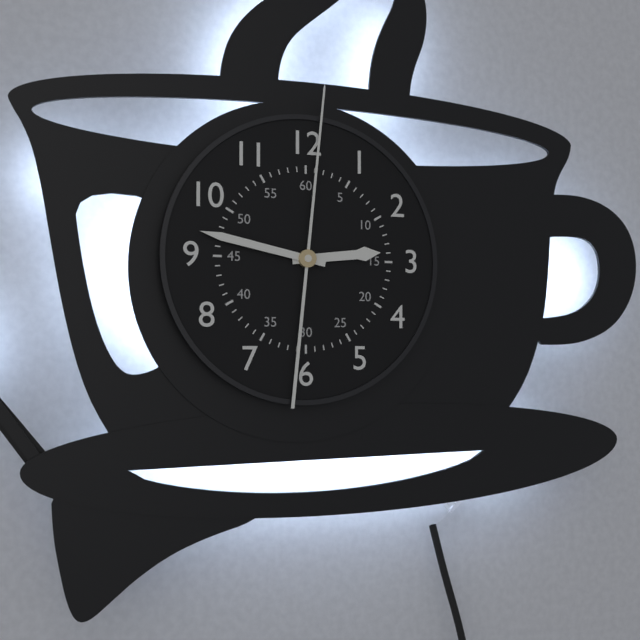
{"hour": 2, "minute": 47, "second": 1}
